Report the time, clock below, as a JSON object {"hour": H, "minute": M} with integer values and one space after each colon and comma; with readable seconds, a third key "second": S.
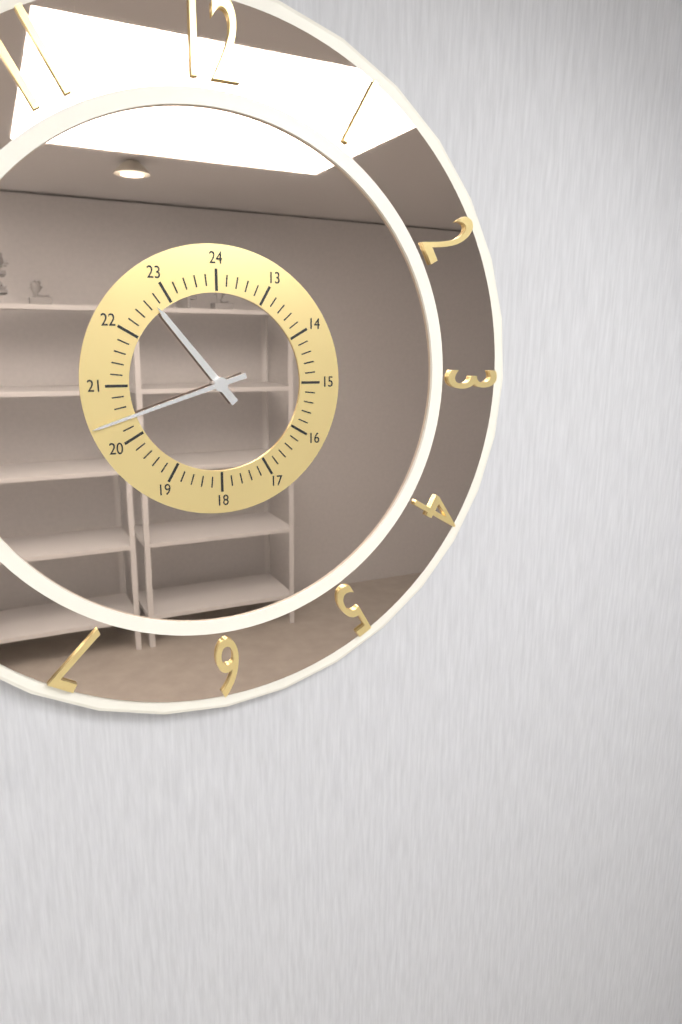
{"hour": 10, "minute": 42}
